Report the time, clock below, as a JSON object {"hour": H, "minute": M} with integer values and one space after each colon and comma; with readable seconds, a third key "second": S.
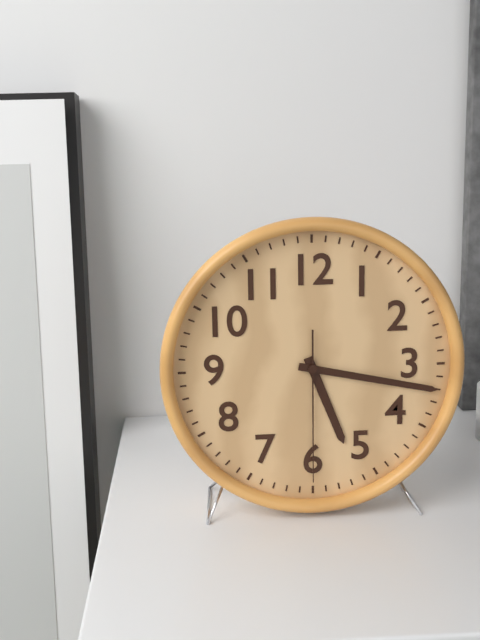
{"hour": 5, "minute": 17, "second": 30}
